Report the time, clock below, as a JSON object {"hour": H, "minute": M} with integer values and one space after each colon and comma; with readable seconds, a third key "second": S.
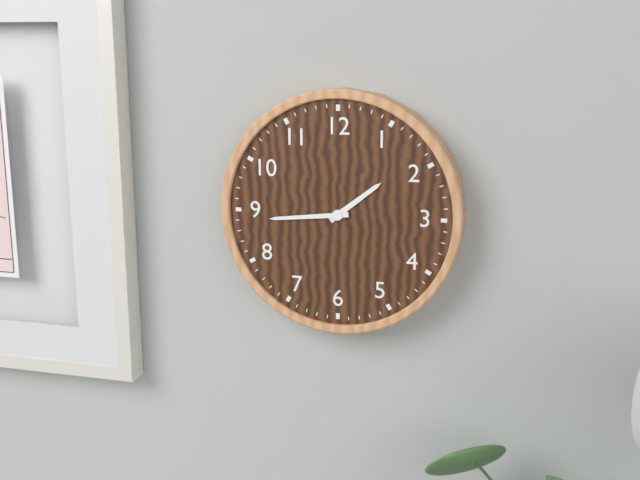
{"hour": 1, "minute": 44}
